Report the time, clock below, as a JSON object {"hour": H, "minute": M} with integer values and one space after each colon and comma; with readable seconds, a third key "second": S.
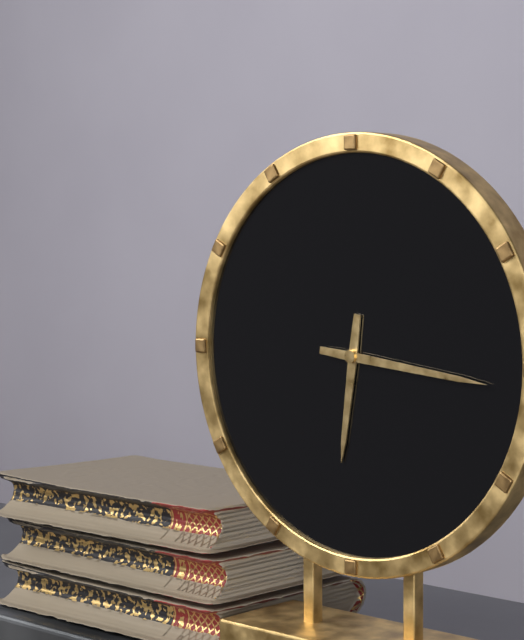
{"hour": 6, "minute": 16}
